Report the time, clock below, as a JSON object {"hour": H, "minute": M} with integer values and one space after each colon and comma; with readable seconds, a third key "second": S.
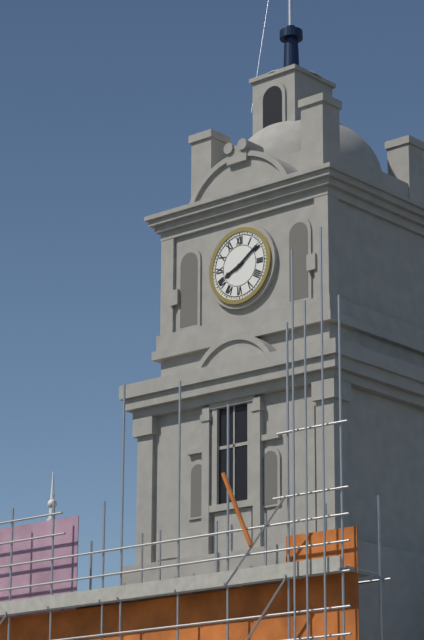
{"hour": 8, "minute": 9}
